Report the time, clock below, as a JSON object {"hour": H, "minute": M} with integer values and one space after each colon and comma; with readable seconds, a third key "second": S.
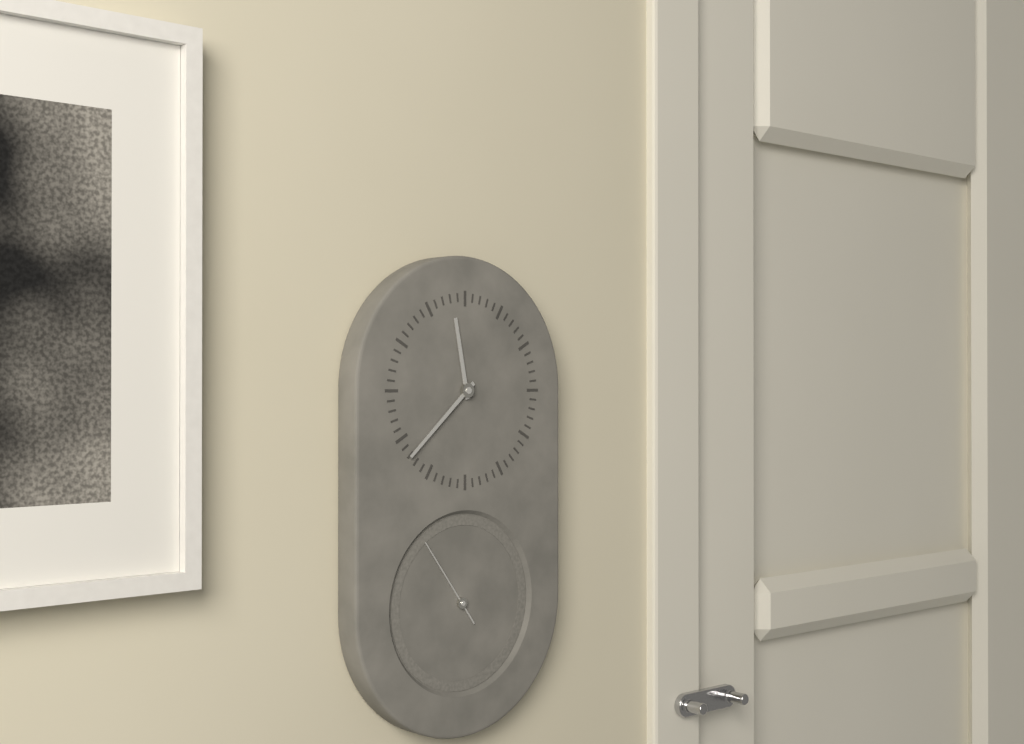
{"hour": 11, "minute": 38, "second": 54}
